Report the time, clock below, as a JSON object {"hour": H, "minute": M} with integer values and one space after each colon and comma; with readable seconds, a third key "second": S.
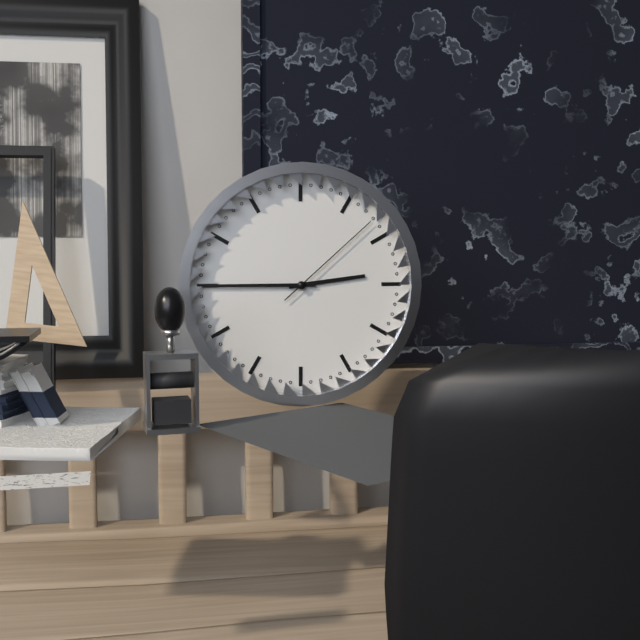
{"hour": 2, "minute": 45, "second": 8}
